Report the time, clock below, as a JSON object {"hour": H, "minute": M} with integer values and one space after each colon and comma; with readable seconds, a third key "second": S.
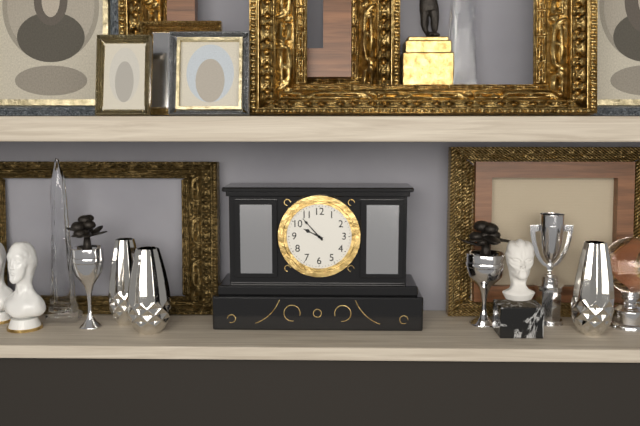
{"hour": 9, "minute": 53}
